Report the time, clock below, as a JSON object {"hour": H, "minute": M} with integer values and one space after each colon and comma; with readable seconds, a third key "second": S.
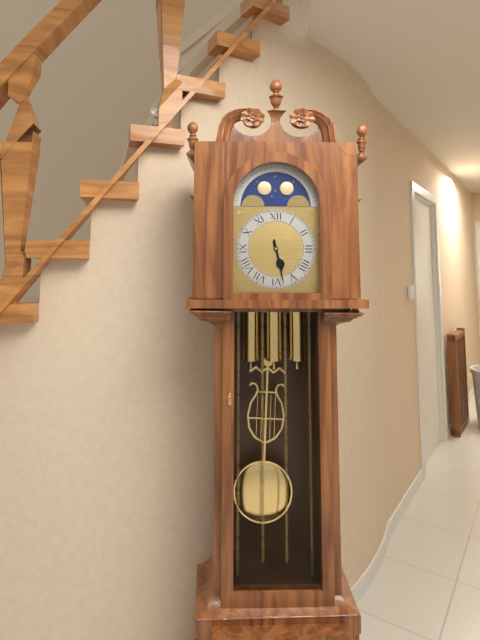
{"hour": 5, "minute": 28}
